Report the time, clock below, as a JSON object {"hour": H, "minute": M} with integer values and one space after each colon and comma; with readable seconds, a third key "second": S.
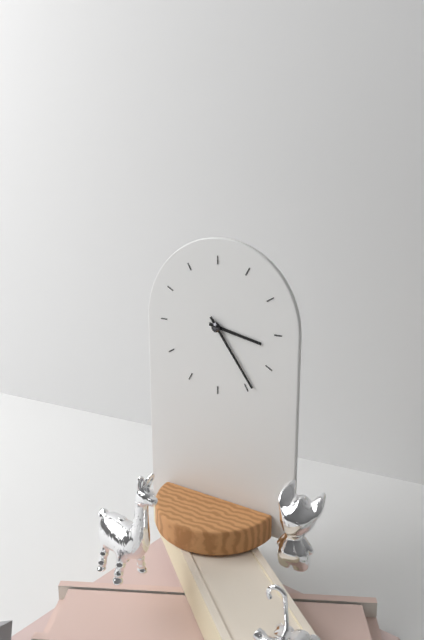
{"hour": 3, "minute": 24}
